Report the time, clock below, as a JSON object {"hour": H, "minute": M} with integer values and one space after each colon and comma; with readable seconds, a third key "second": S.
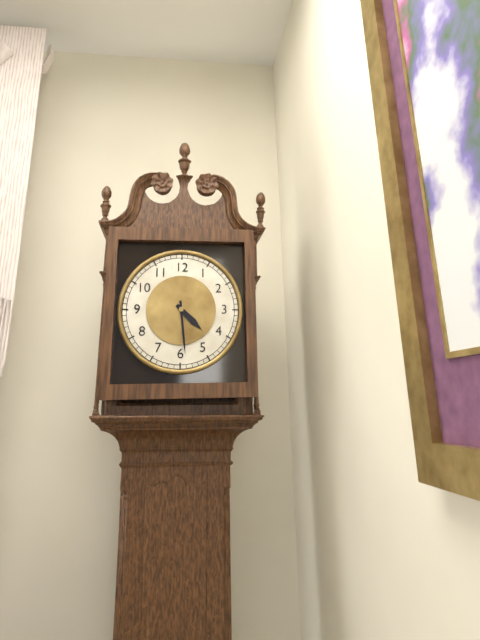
{"hour": 4, "minute": 29}
